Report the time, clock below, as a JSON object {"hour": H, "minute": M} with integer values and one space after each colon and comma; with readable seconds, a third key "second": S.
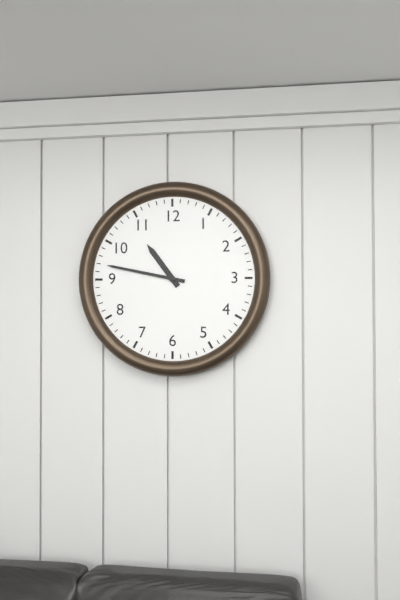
{"hour": 10, "minute": 47}
